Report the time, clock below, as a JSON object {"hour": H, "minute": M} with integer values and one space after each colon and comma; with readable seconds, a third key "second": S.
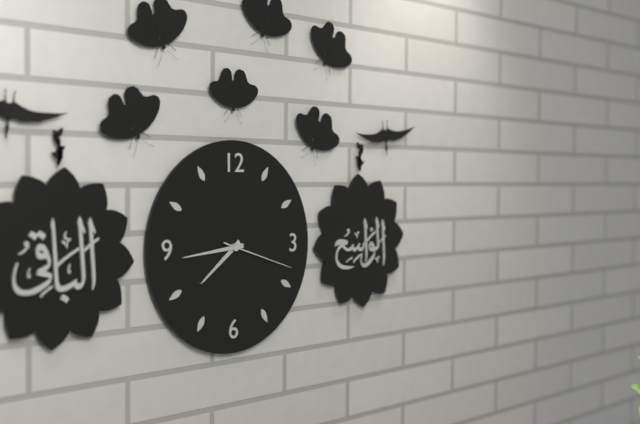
{"hour": 7, "minute": 44, "second": 18}
